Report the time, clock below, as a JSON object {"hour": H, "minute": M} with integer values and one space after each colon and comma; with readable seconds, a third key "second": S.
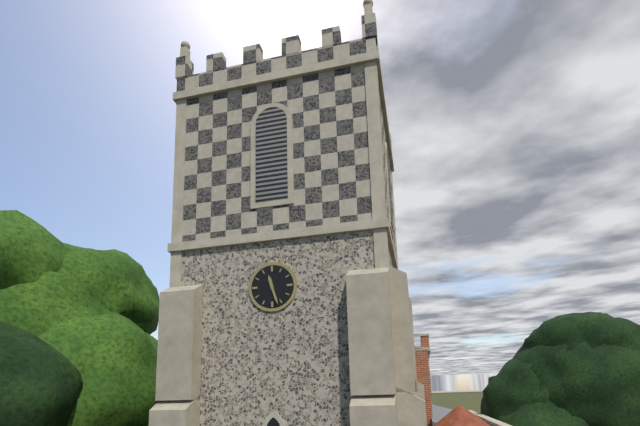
{"hour": 11, "minute": 27}
